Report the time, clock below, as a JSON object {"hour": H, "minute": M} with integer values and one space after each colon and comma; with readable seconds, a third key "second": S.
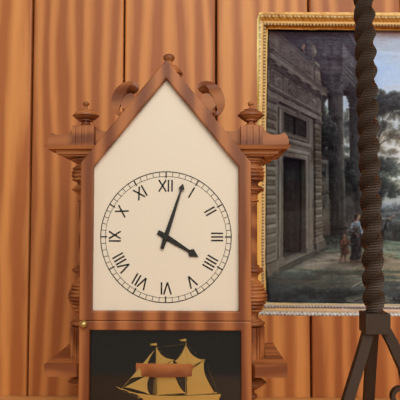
{"hour": 4, "minute": 3}
